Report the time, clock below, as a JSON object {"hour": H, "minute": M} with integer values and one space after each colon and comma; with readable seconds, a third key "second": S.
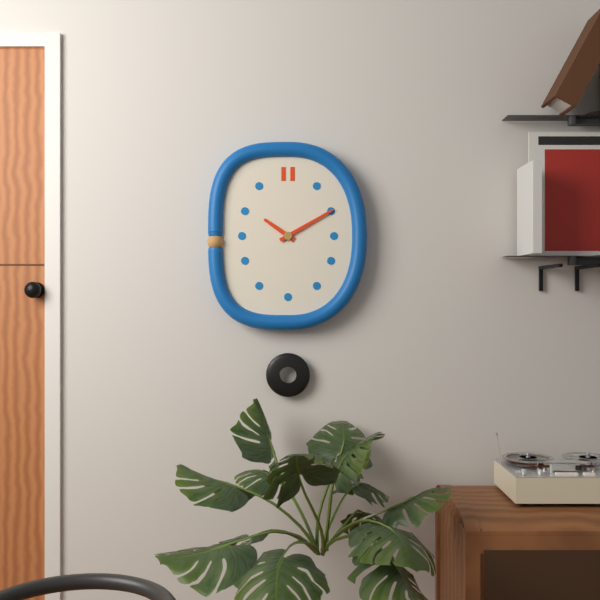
{"hour": 10, "minute": 10}
